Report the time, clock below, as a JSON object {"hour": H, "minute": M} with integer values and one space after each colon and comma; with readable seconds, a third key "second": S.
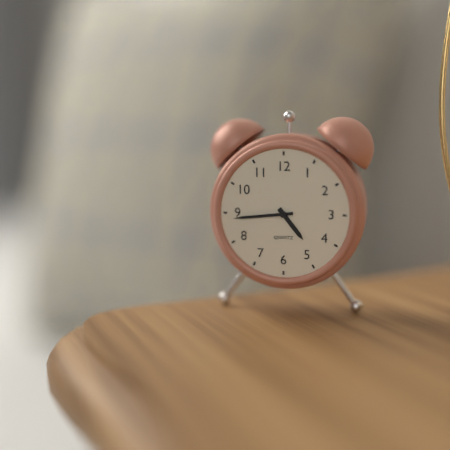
{"hour": 4, "minute": 44}
